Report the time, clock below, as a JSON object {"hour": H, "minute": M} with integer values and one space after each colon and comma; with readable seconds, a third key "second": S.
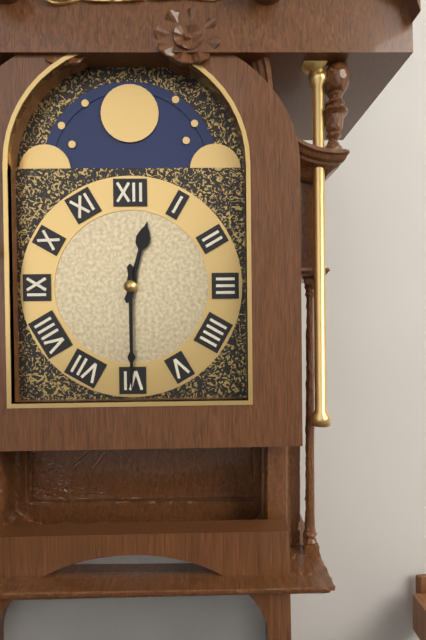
{"hour": 12, "minute": 30}
